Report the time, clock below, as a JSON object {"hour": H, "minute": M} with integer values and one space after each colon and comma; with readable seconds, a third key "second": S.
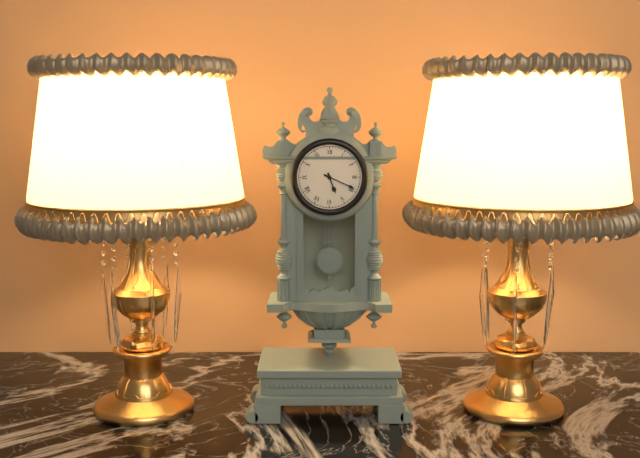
{"hour": 5, "minute": 19}
